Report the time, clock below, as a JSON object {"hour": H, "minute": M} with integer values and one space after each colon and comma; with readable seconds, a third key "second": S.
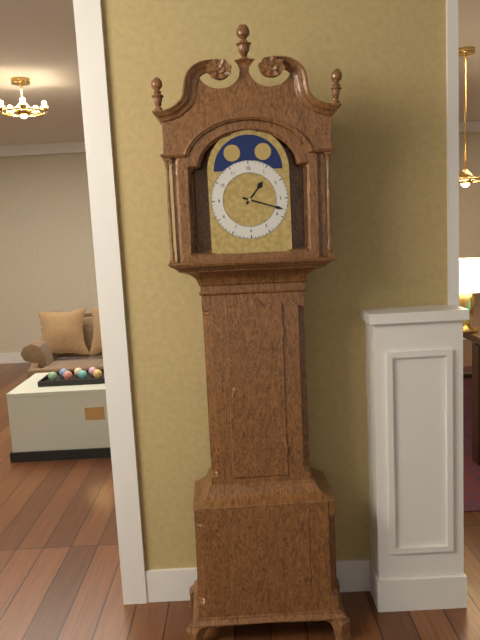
{"hour": 1, "minute": 18}
